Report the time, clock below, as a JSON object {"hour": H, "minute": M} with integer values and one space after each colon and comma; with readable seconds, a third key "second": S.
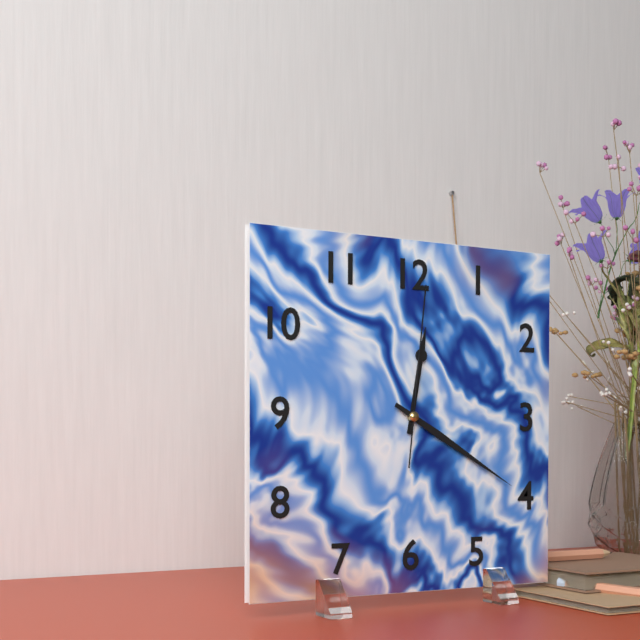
{"hour": 12, "minute": 20, "second": 1}
